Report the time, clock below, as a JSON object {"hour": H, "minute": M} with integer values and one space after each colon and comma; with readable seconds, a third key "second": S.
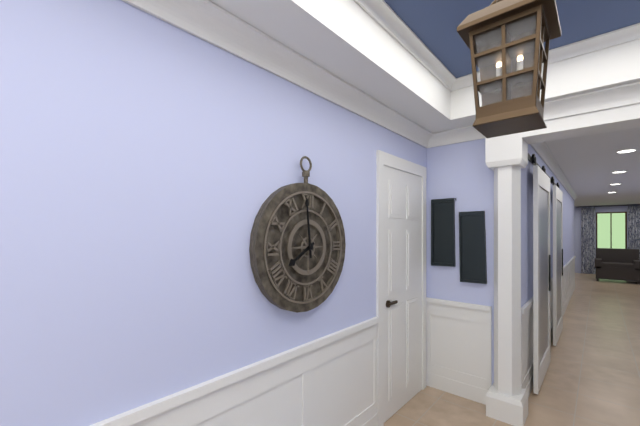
{"hour": 7, "minute": 59}
